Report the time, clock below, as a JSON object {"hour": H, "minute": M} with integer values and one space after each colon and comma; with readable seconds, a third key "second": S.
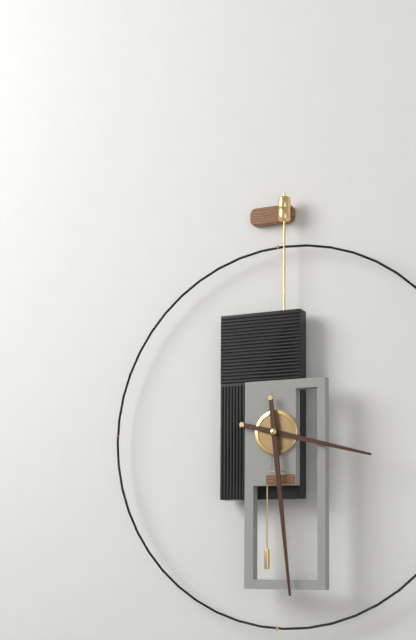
{"hour": 3, "minute": 29}
